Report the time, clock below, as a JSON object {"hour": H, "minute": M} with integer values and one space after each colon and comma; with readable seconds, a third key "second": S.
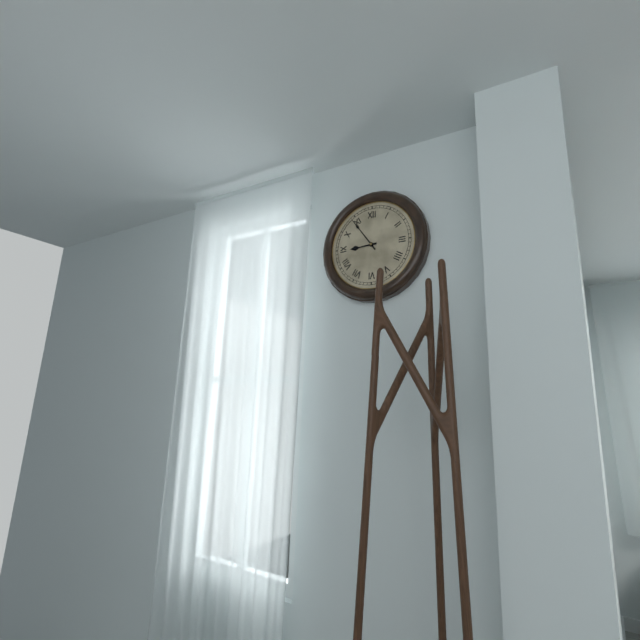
{"hour": 8, "minute": 54}
